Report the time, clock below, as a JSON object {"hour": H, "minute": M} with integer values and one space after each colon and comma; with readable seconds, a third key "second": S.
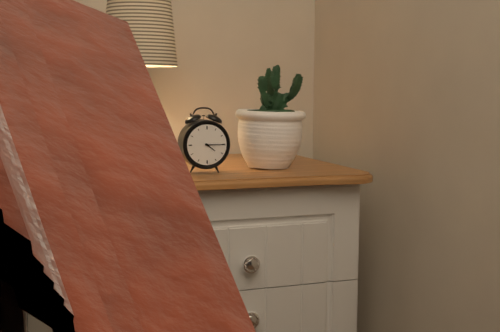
{"hour": 4, "minute": 15}
